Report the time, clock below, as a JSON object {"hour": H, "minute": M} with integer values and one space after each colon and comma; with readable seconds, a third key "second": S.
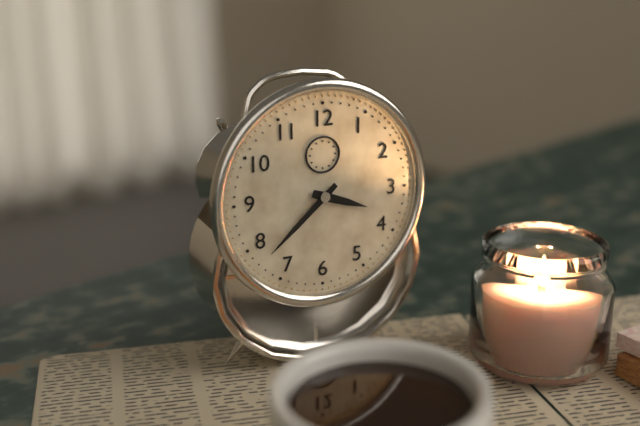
{"hour": 3, "minute": 38}
